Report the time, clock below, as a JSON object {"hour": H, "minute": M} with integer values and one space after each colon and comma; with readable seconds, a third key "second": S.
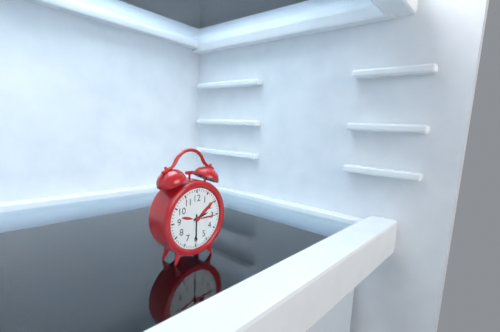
{"hour": 2, "minute": 30}
